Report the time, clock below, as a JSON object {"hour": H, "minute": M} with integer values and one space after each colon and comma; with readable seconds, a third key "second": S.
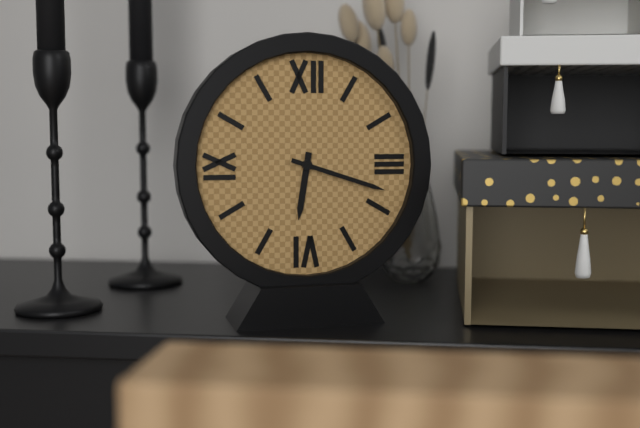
{"hour": 6, "minute": 18}
